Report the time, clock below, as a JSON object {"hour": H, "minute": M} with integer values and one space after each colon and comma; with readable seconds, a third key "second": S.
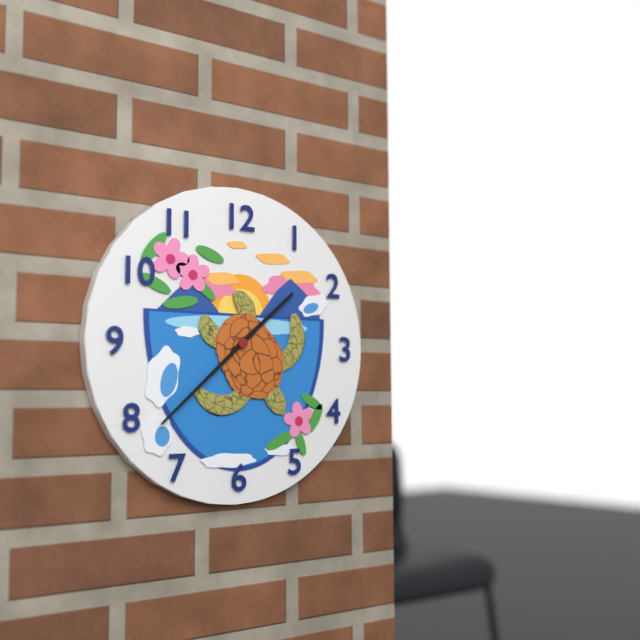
{"hour": 1, "minute": 38}
